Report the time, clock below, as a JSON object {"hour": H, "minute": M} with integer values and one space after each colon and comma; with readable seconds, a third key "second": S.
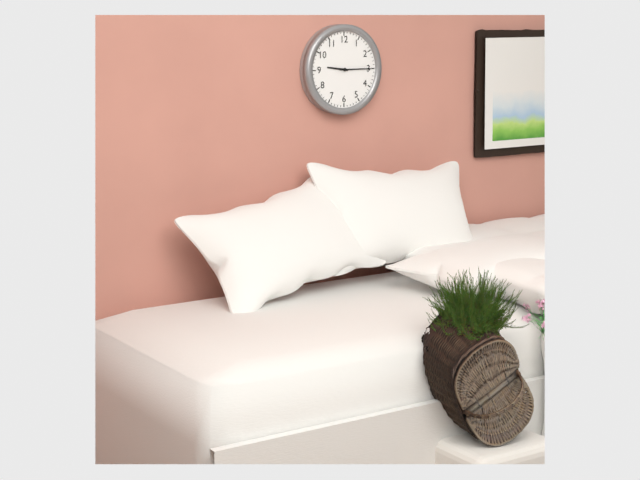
{"hour": 9, "minute": 15}
